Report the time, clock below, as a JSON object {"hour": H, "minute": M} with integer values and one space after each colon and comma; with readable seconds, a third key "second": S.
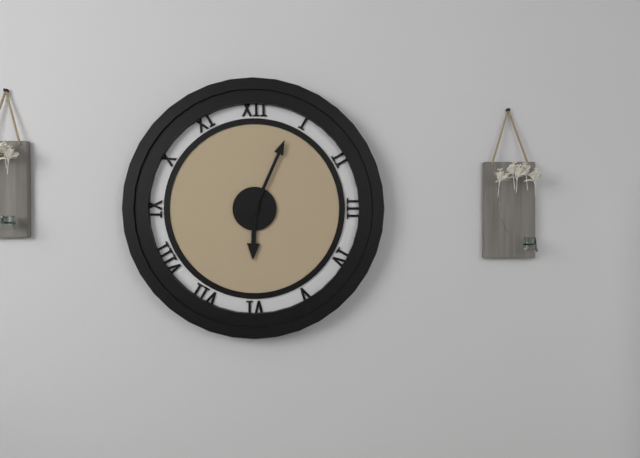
{"hour": 6, "minute": 4}
